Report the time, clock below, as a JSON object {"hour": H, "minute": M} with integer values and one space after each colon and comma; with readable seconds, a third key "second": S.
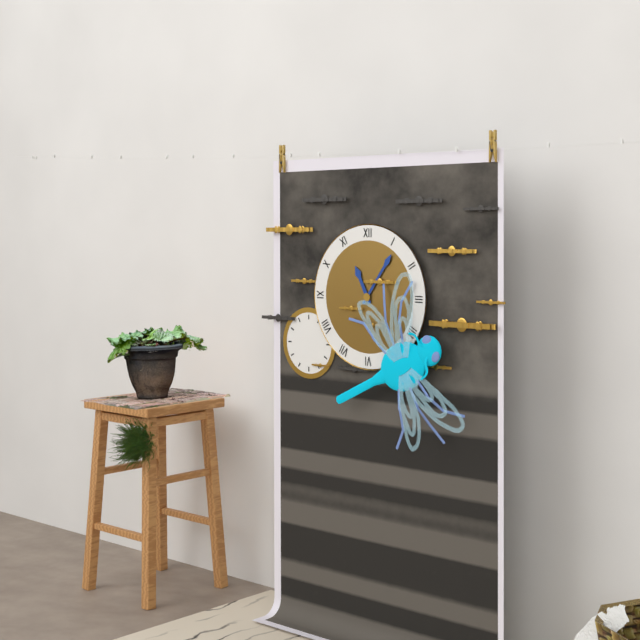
{"hour": 11, "minute": 6}
